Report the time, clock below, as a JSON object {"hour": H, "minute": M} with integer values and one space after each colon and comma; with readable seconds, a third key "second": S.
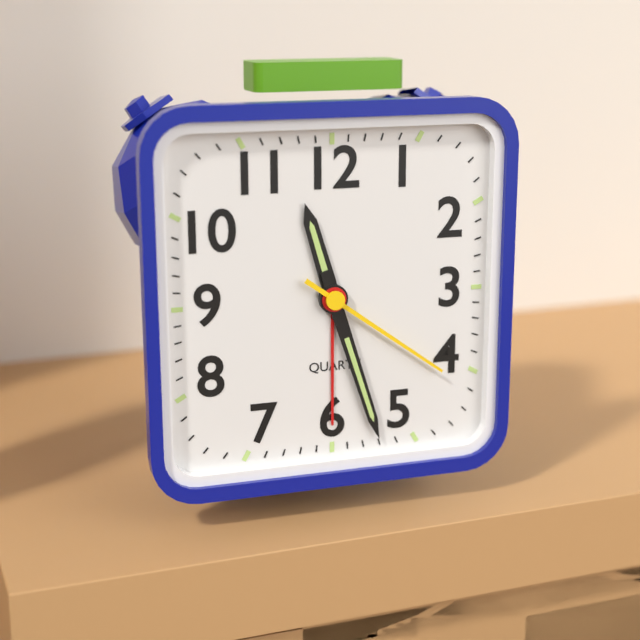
{"hour": 11, "minute": 27, "second": 21}
